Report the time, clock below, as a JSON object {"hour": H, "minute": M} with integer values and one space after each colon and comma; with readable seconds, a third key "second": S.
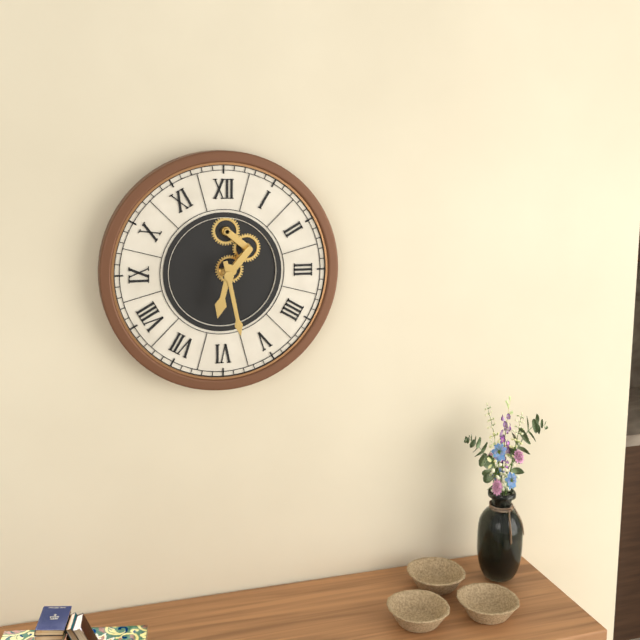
{"hour": 6, "minute": 28}
